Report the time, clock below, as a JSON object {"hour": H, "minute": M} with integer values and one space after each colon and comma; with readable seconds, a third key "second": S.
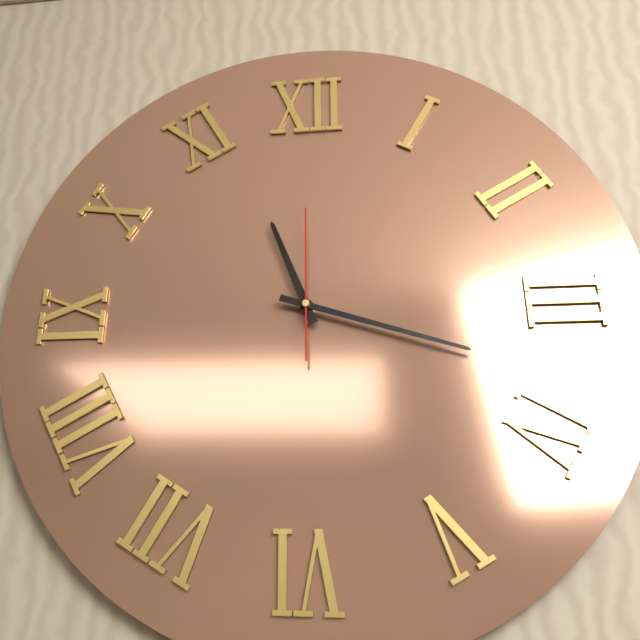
{"hour": 11, "minute": 18, "second": 0}
